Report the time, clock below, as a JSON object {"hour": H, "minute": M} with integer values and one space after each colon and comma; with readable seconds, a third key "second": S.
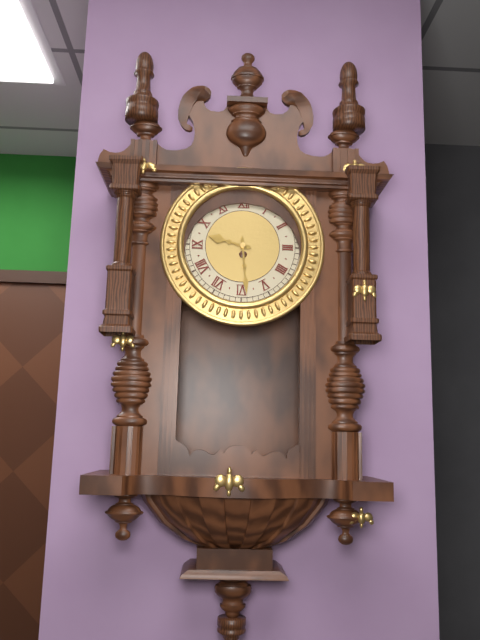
{"hour": 9, "minute": 29}
